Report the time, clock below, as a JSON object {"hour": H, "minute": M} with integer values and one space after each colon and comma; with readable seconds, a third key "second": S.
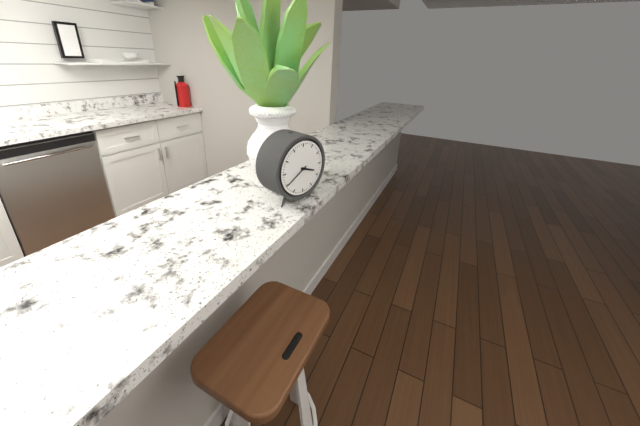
{"hour": 3, "minute": 40}
